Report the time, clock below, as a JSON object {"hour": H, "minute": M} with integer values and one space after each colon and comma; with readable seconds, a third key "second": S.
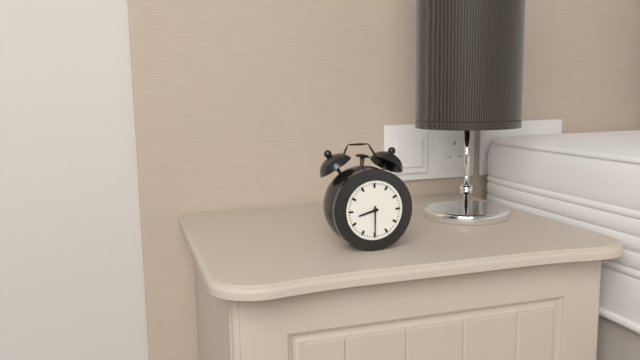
{"hour": 8, "minute": 30}
